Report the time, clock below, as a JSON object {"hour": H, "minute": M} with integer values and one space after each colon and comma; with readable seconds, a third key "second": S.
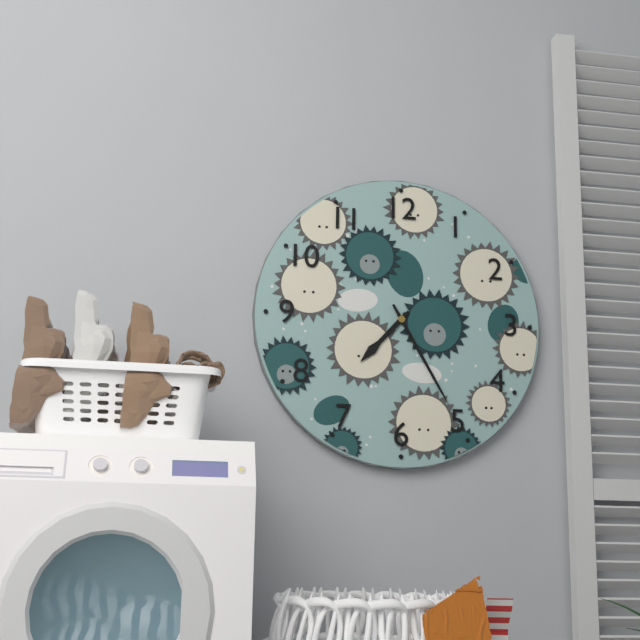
{"hour": 7, "minute": 25}
